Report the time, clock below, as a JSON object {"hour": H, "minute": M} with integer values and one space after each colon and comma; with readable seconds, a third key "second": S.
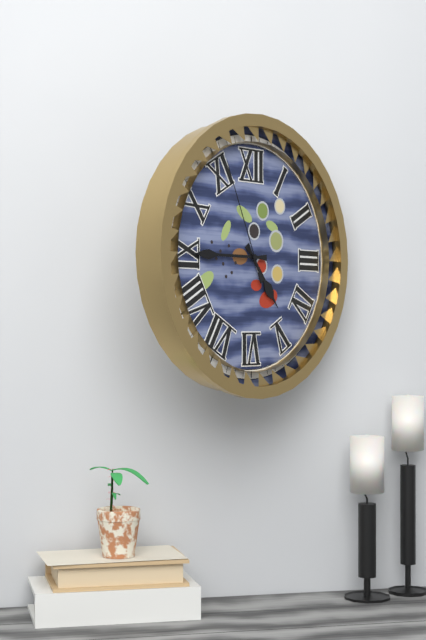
{"hour": 4, "minute": 45, "second": 56}
